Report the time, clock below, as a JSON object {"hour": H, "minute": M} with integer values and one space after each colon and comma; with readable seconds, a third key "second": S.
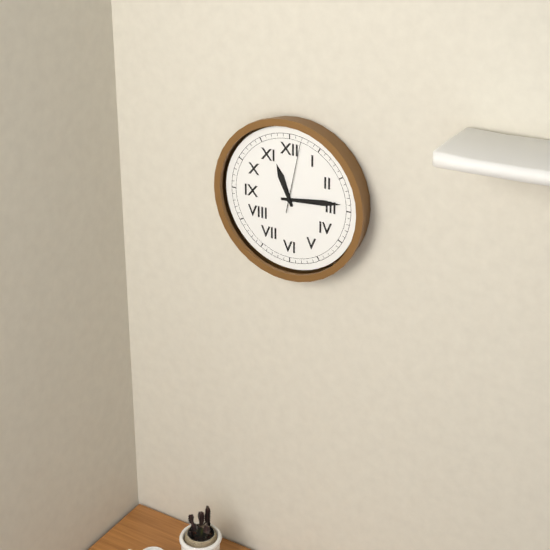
{"hour": 11, "minute": 14, "second": 2}
